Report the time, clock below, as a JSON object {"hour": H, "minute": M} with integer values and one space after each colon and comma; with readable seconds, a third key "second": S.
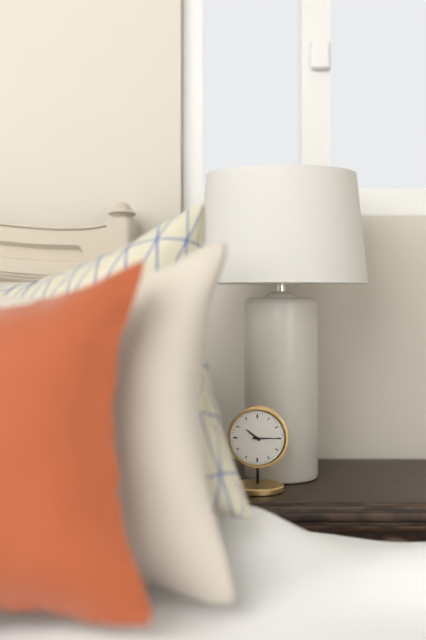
{"hour": 10, "minute": 15}
